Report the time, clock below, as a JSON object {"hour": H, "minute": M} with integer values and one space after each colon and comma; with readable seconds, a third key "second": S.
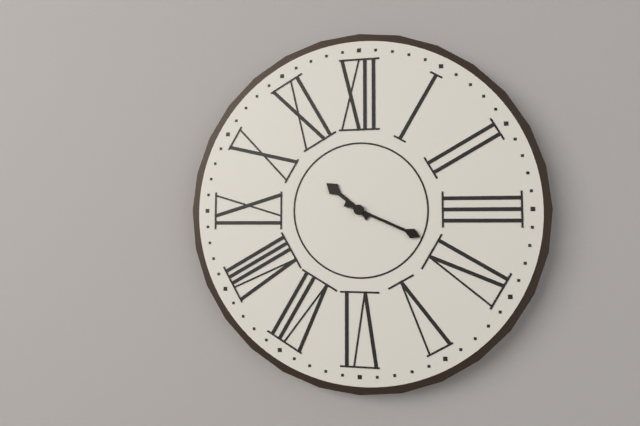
{"hour": 10, "minute": 19}
